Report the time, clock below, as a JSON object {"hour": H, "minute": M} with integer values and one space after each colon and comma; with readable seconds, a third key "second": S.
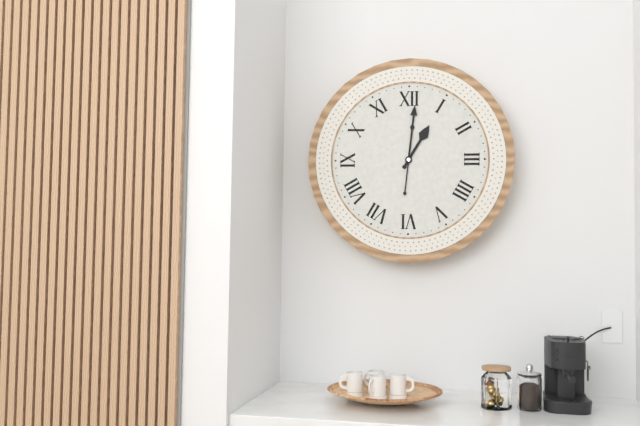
{"hour": 1, "minute": 1}
